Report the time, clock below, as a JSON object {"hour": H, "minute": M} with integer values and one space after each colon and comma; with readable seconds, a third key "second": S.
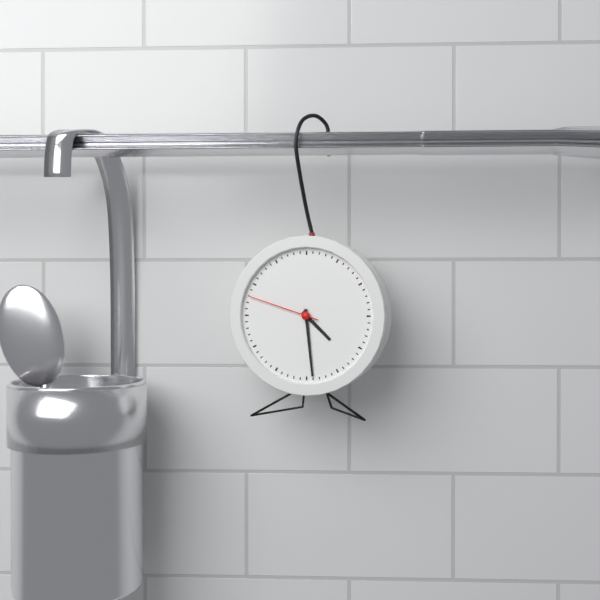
{"hour": 4, "minute": 29, "second": 48}
